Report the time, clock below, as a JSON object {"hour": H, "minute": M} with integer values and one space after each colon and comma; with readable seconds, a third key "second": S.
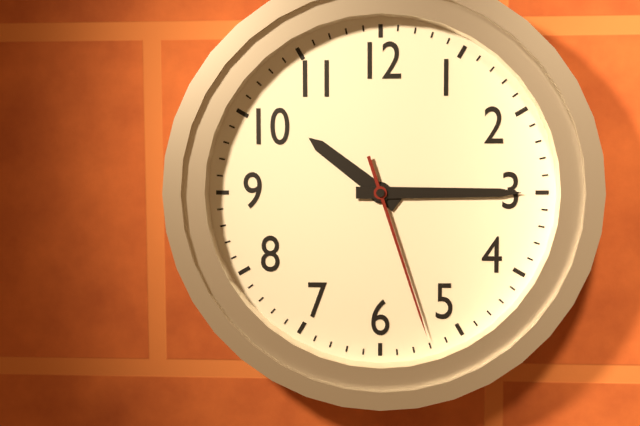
{"hour": 10, "minute": 15, "second": 27}
